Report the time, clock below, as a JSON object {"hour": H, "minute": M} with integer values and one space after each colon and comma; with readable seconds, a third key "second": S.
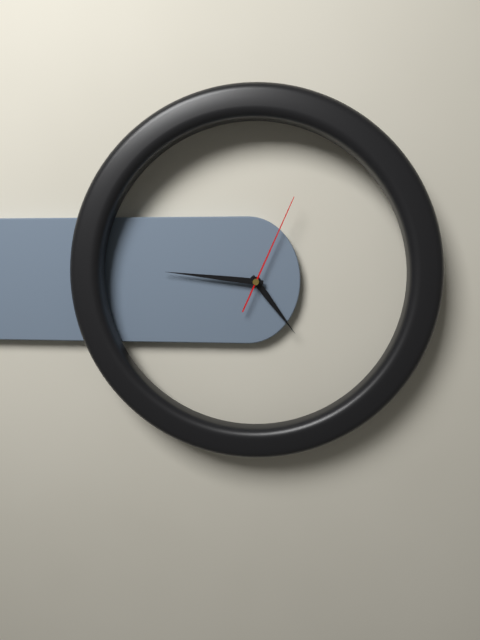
{"hour": 4, "minute": 46, "second": 4}
